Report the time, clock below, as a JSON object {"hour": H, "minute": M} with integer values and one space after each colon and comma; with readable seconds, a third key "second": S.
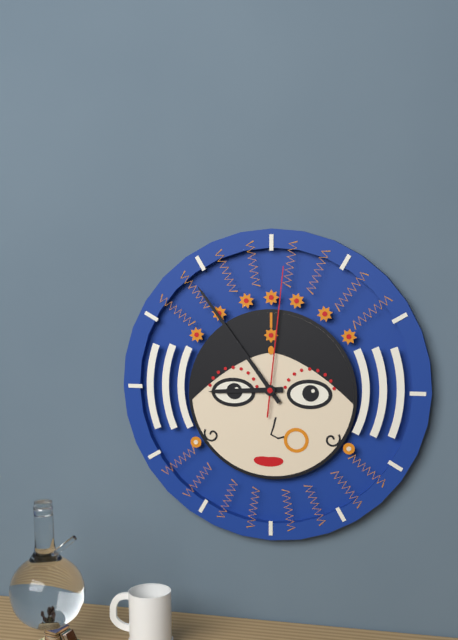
{"hour": 8, "minute": 54, "second": 1}
